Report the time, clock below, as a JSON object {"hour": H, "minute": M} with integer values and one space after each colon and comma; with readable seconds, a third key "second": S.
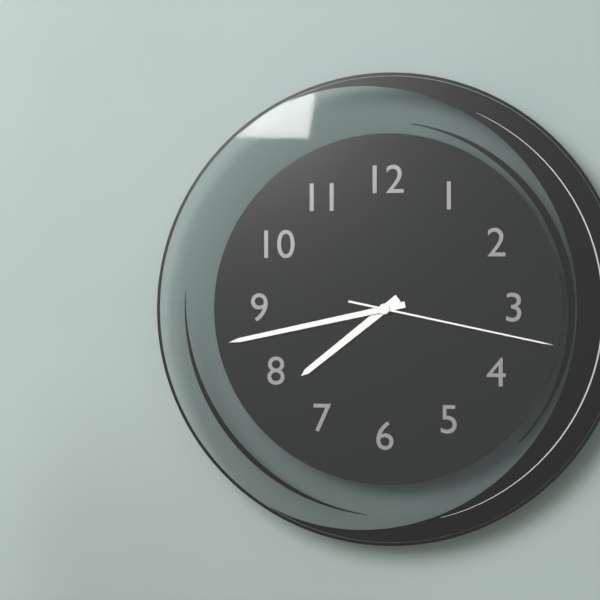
{"hour": 7, "minute": 43, "second": 17}
